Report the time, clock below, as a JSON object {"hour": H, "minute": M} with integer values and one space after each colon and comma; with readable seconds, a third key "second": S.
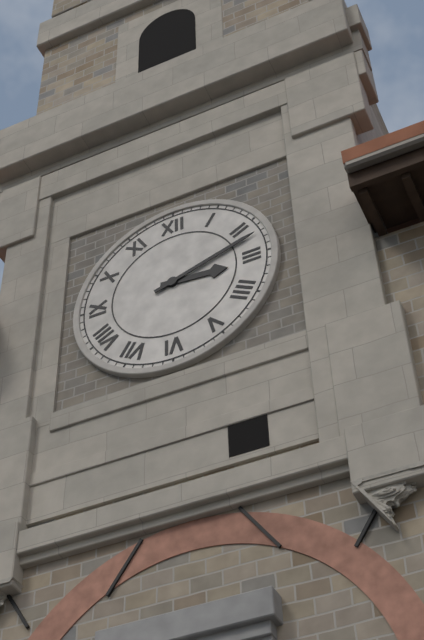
{"hour": 3, "minute": 12}
